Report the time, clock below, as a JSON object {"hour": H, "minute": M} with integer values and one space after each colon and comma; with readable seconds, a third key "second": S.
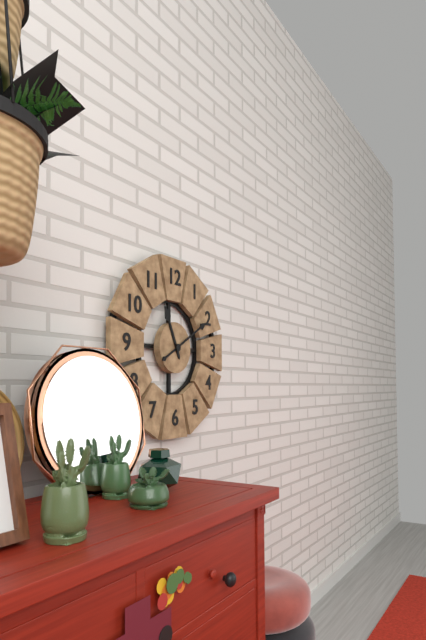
{"hour": 11, "minute": 10}
